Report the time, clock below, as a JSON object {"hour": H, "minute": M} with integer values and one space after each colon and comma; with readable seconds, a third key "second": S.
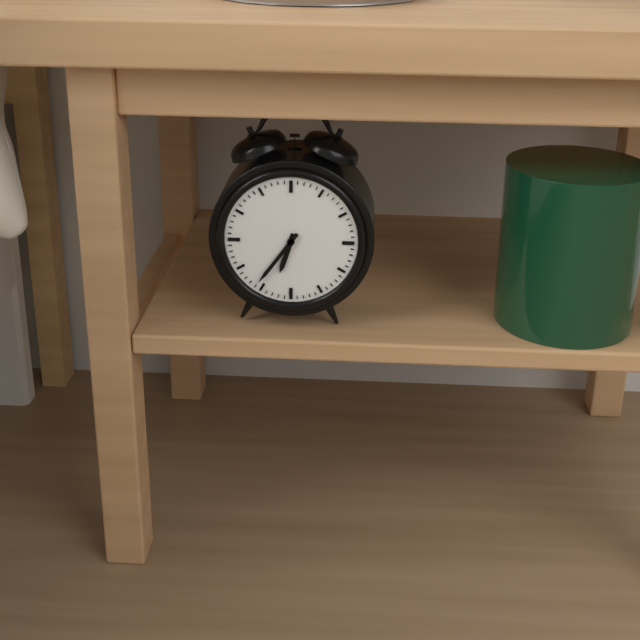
{"hour": 6, "minute": 36}
